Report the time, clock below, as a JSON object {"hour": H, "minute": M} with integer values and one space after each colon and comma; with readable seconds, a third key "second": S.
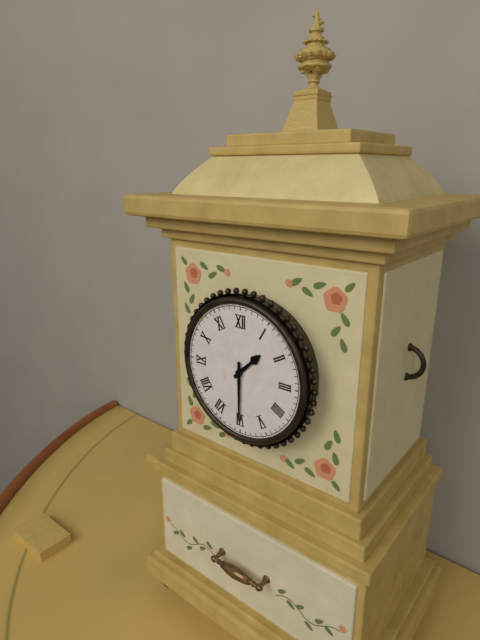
{"hour": 1, "minute": 30}
